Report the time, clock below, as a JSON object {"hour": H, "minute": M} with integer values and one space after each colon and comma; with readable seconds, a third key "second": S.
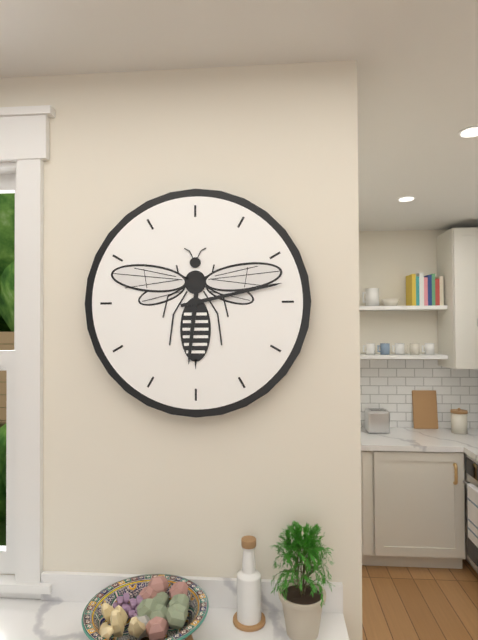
{"hour": 6, "minute": 13}
